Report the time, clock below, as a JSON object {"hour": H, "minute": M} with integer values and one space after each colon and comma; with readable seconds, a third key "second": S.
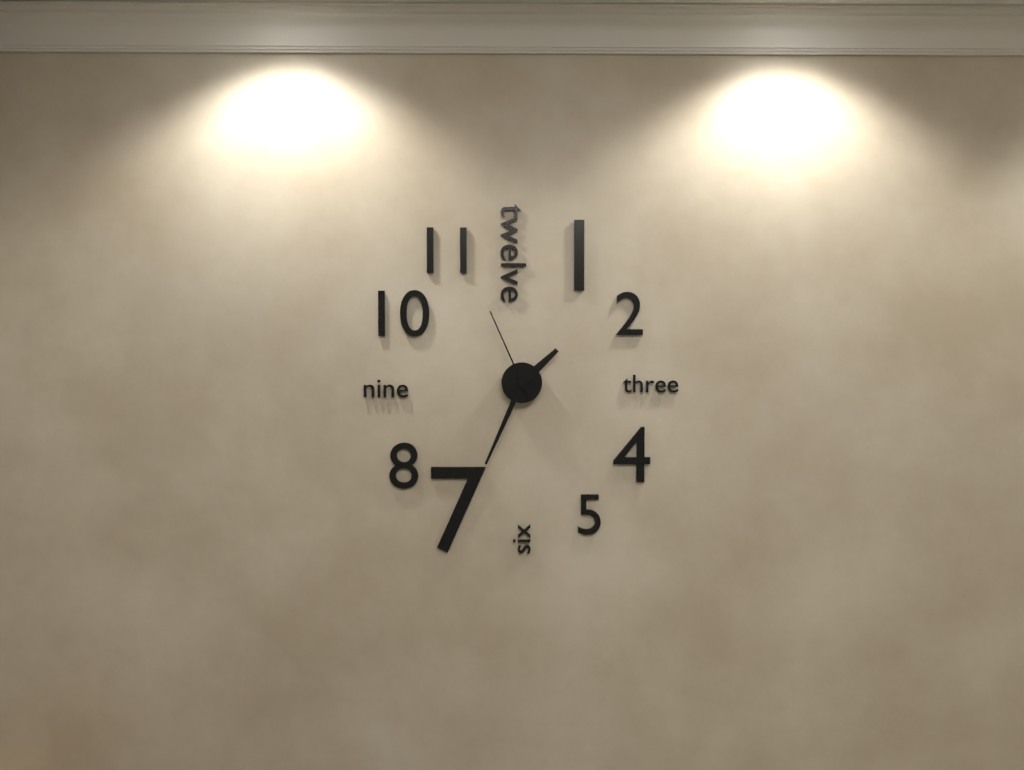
{"hour": 1, "minute": 34, "second": 56}
